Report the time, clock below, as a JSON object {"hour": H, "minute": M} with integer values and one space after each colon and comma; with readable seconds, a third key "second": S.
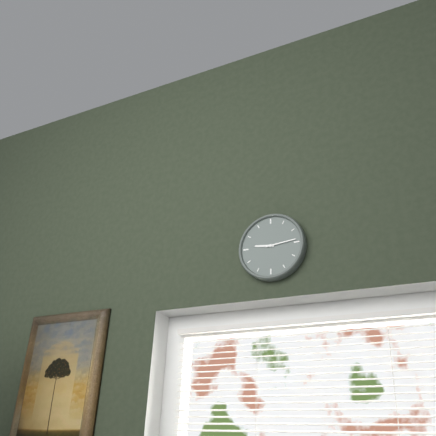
{"hour": 9, "minute": 14}
